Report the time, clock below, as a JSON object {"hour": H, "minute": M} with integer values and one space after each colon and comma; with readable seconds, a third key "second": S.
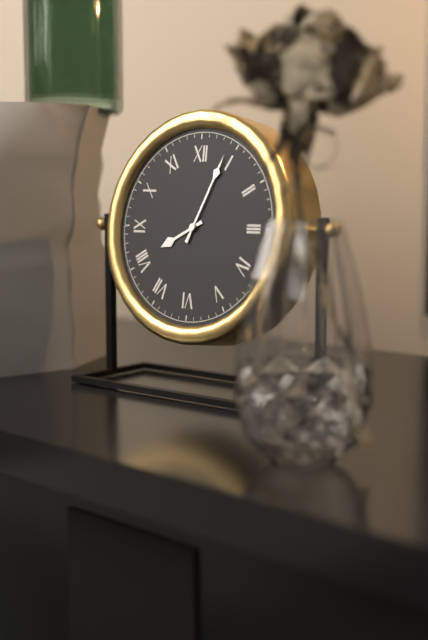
{"hour": 8, "minute": 4}
